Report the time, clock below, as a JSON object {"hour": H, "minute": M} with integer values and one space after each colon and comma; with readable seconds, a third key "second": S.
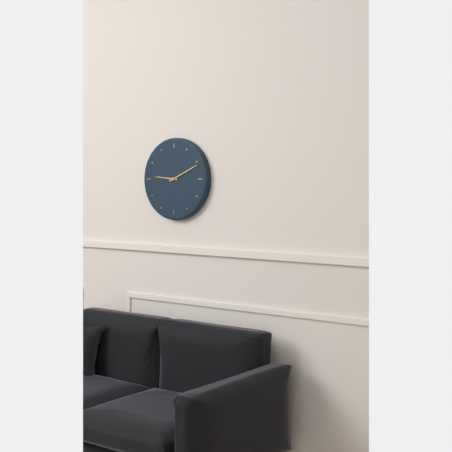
{"hour": 9, "minute": 11}
